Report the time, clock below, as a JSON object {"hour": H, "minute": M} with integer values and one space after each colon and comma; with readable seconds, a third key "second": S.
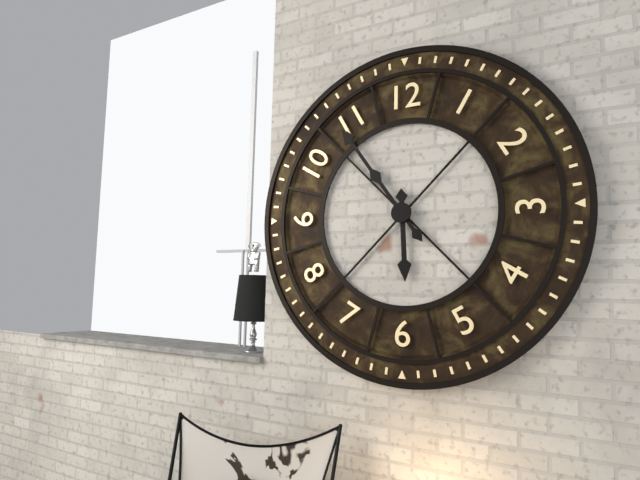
{"hour": 5, "minute": 54}
